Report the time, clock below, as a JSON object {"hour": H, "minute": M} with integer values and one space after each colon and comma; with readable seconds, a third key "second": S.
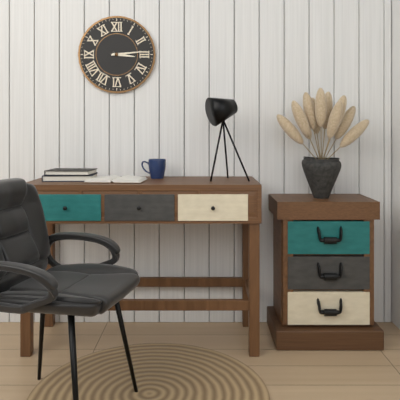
{"hour": 3, "minute": 14}
